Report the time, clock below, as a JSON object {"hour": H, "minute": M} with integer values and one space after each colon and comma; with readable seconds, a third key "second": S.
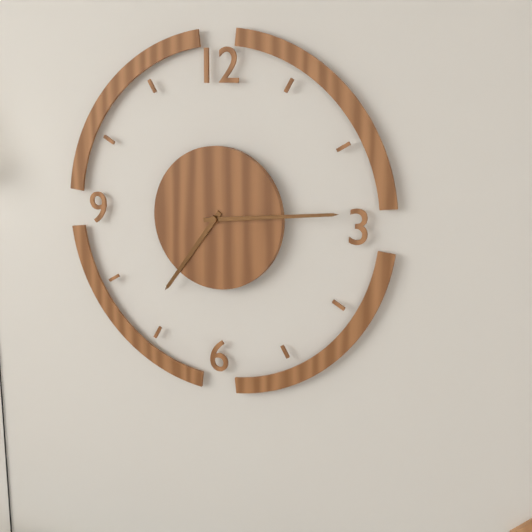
{"hour": 7, "minute": 14}
